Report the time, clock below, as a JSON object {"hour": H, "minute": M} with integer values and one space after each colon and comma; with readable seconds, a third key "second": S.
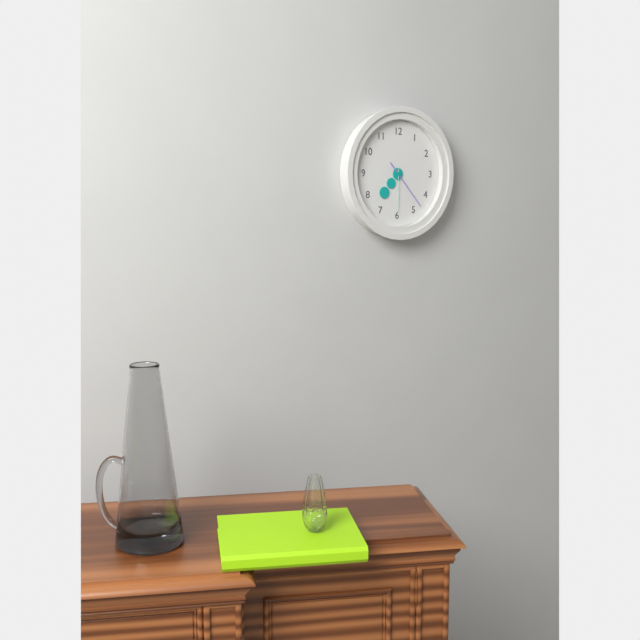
{"hour": 7, "minute": 23}
